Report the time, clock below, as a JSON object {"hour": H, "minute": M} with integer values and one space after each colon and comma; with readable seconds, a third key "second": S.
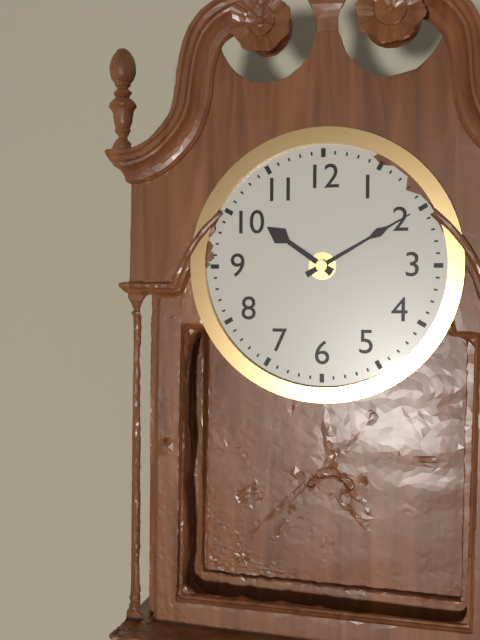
{"hour": 10, "minute": 10}
